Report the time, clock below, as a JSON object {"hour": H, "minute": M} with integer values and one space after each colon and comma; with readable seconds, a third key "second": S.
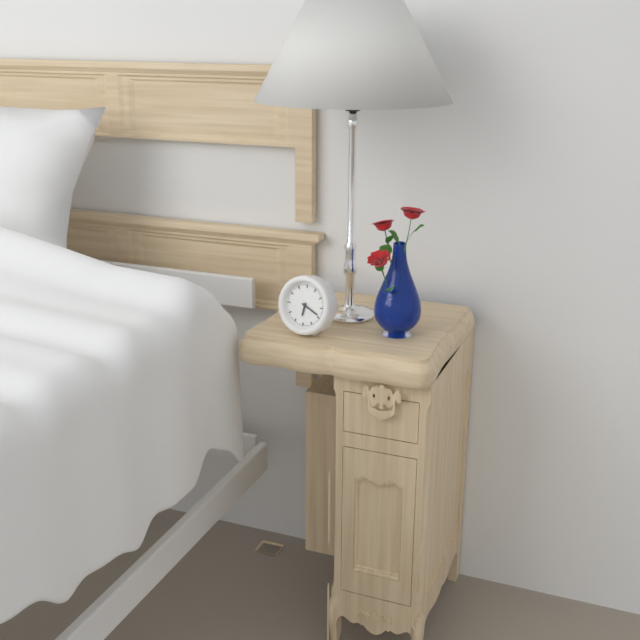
{"hour": 6, "minute": 19}
